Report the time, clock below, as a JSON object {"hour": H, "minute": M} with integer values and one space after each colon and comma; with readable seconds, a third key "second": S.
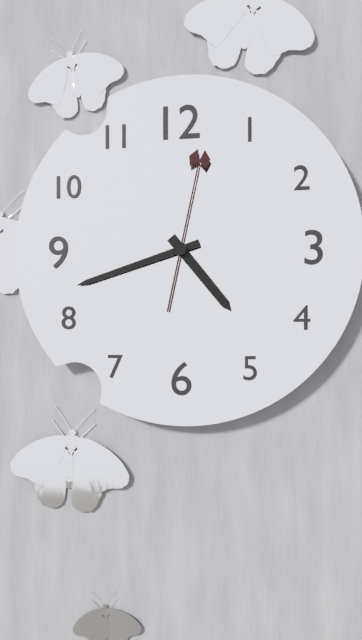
{"hour": 4, "minute": 42, "second": 2}
